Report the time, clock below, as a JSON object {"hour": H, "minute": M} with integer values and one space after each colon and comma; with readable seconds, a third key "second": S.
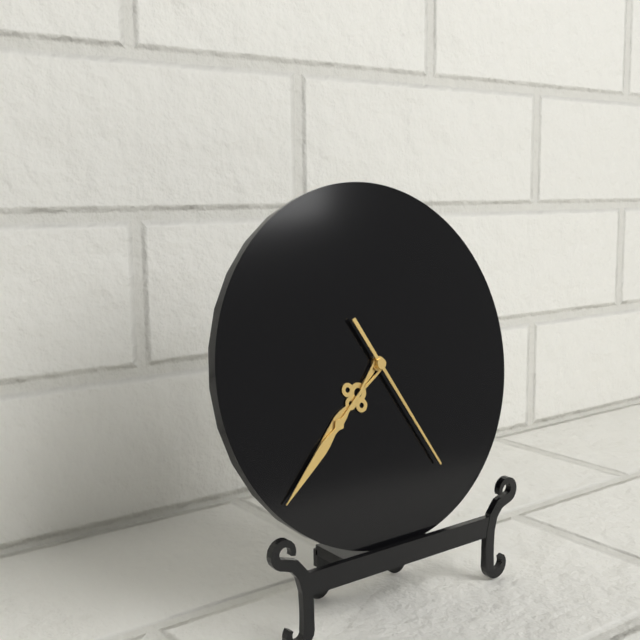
{"hour": 7, "minute": 38, "second": 25}
